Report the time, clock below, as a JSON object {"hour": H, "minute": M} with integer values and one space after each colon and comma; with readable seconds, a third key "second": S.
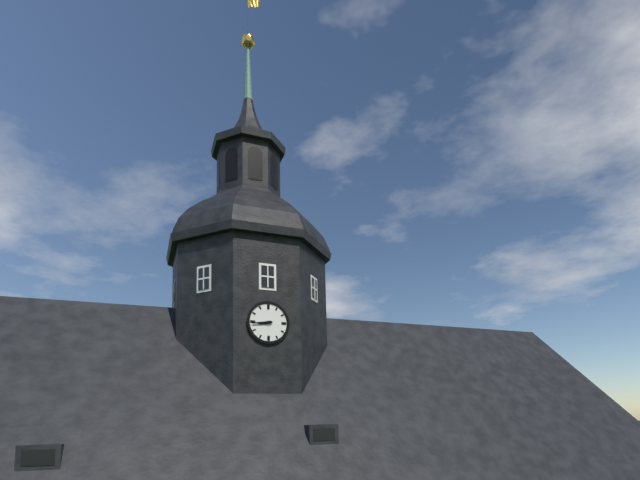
{"hour": 8, "minute": 44}
